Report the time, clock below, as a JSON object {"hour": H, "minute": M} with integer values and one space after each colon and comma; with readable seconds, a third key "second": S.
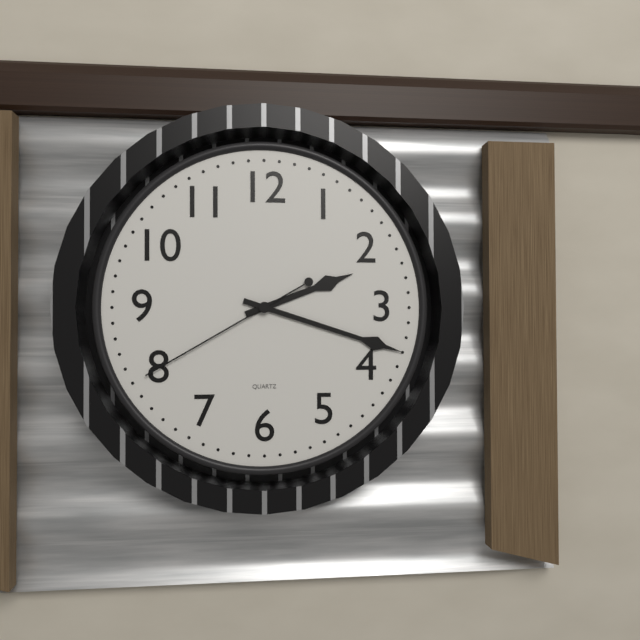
{"hour": 2, "minute": 18, "second": 40}
